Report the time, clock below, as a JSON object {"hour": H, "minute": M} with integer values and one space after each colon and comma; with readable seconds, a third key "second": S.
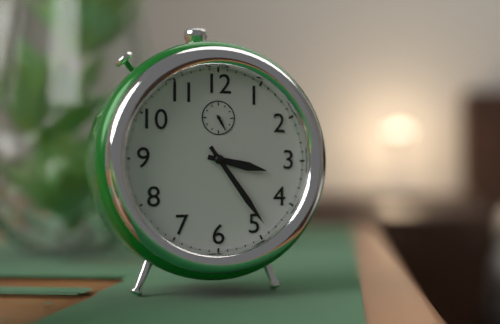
{"hour": 3, "minute": 24}
